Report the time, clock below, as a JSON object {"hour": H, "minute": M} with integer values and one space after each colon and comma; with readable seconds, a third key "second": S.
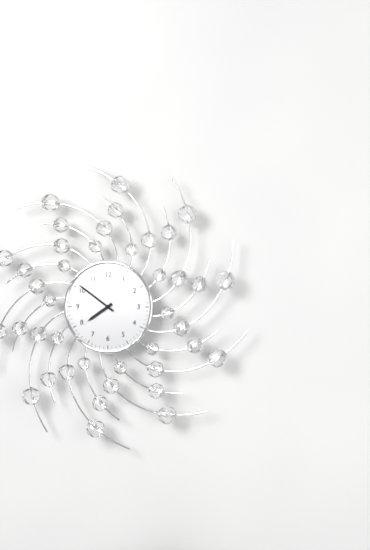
{"hour": 7, "minute": 51}
